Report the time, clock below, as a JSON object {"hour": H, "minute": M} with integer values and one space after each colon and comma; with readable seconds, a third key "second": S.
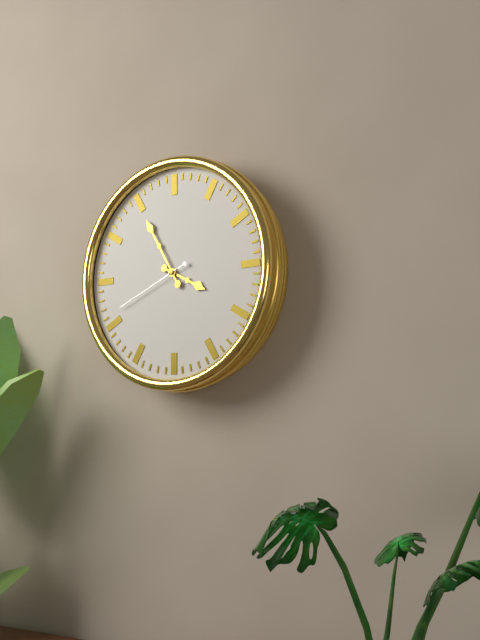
{"hour": 3, "minute": 55, "second": 41}
